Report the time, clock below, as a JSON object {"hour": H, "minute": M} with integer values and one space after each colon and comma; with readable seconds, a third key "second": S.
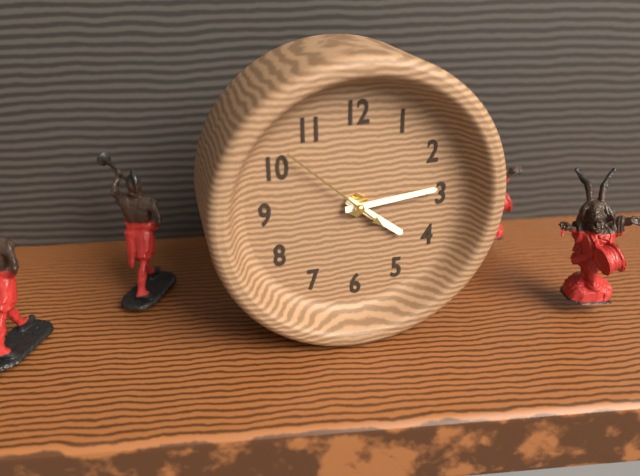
{"hour": 4, "minute": 14, "second": 52}
